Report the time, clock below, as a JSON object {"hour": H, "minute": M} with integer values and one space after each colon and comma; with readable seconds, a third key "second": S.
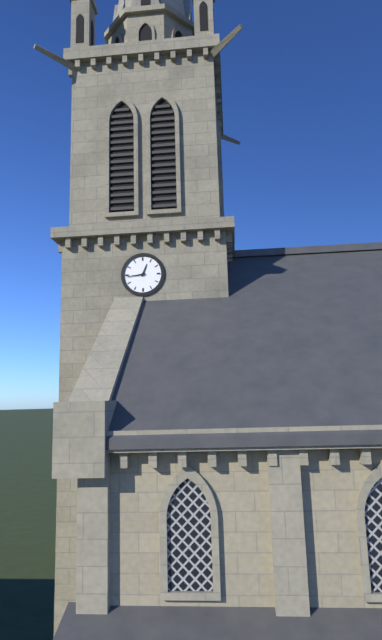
{"hour": 12, "minute": 44}
